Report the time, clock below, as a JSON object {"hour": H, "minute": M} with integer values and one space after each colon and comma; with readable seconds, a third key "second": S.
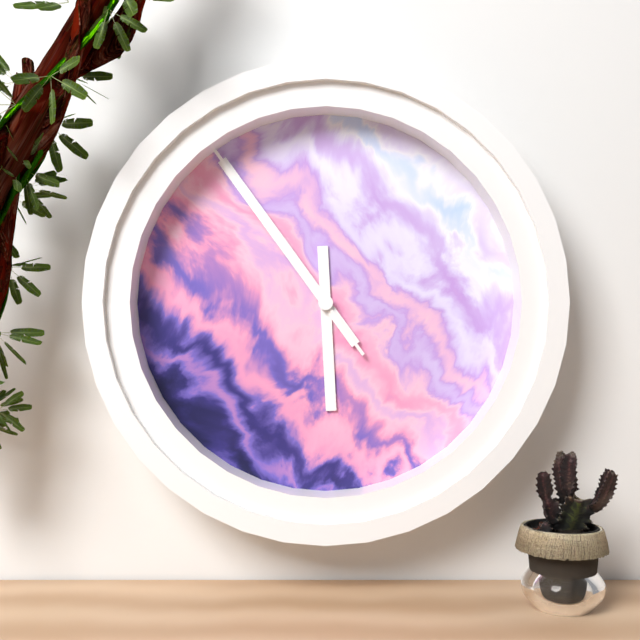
{"hour": 5, "minute": 54, "second": 54}
